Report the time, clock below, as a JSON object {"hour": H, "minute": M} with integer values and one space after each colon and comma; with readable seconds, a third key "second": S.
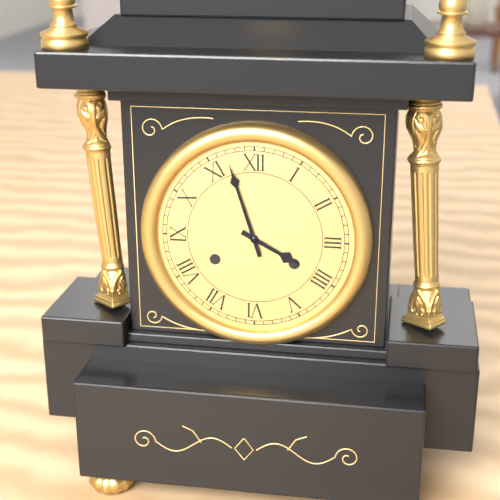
{"hour": 3, "minute": 57}
